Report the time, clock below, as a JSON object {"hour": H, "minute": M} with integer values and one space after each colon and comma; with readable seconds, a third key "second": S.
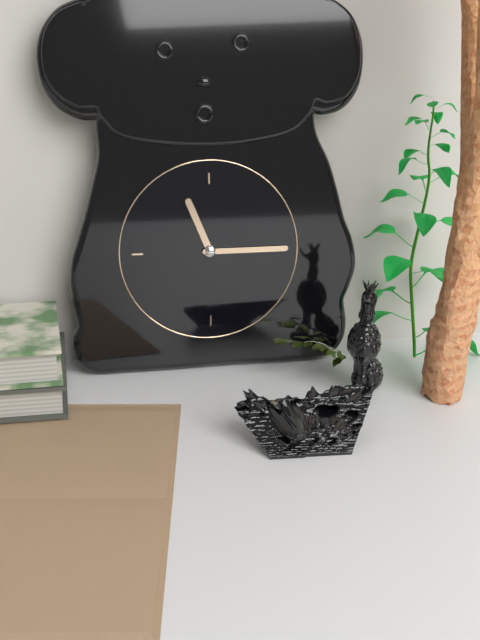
{"hour": 11, "minute": 15}
